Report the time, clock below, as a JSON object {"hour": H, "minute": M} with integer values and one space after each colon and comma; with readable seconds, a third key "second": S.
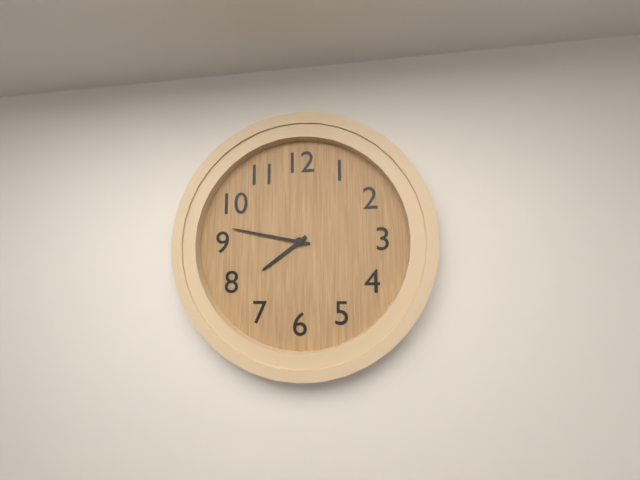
{"hour": 7, "minute": 47}
